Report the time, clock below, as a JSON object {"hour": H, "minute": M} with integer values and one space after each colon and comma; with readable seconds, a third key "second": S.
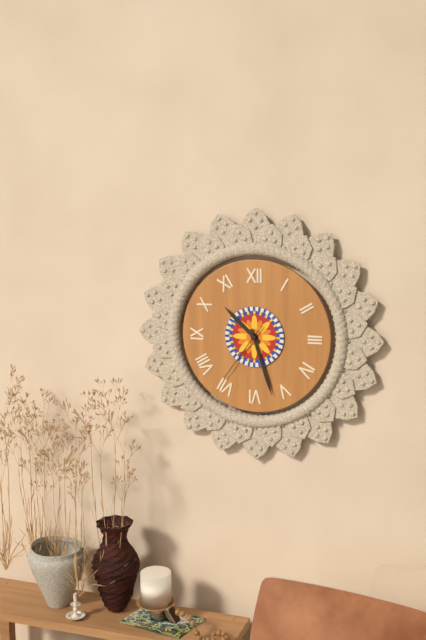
{"hour": 10, "minute": 27, "second": 36}
